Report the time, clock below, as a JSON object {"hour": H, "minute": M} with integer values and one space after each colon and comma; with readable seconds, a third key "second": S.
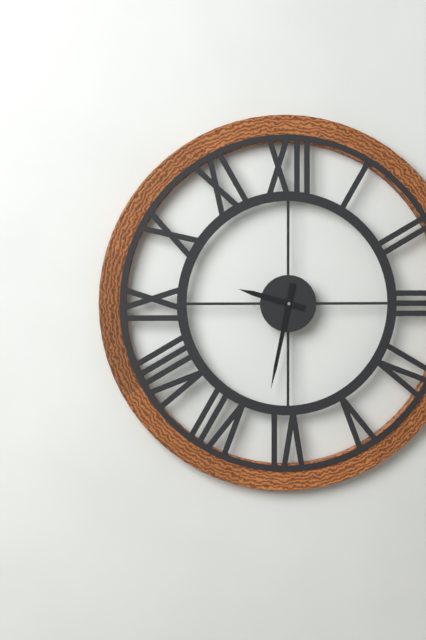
{"hour": 9, "minute": 32}
